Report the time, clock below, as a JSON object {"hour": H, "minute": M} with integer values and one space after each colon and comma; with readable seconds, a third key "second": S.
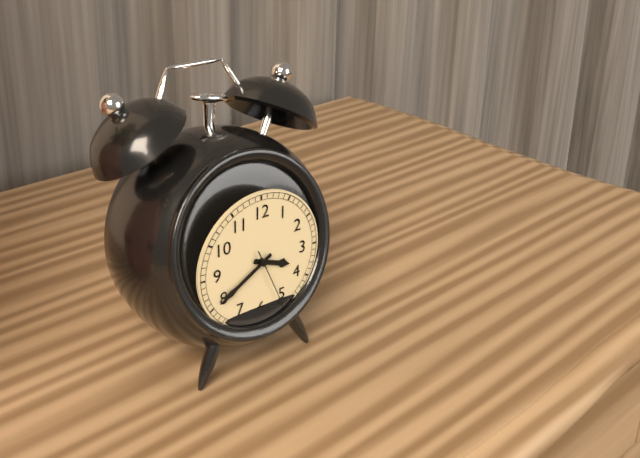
{"hour": 3, "minute": 40, "second": 26}
